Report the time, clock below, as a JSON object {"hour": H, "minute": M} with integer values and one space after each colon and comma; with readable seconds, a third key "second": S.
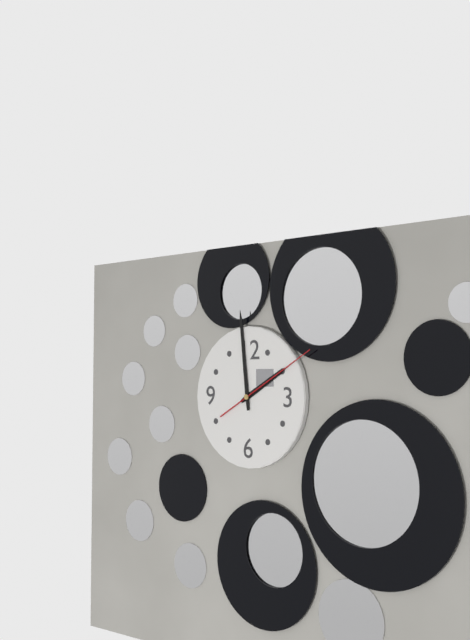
{"hour": 1, "minute": 59, "second": 10}
